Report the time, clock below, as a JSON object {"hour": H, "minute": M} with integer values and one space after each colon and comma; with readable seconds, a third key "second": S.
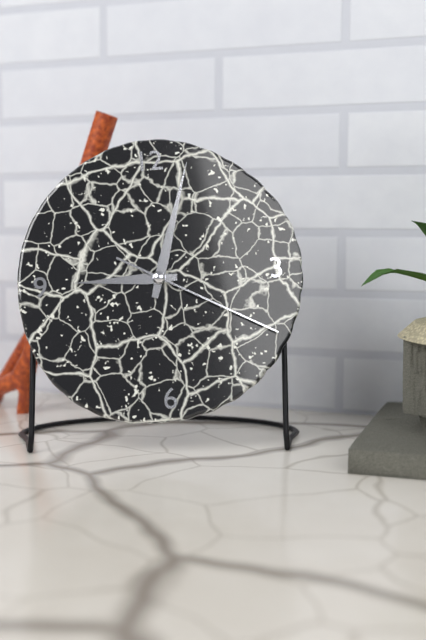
{"hour": 9, "minute": 3, "second": 20}
